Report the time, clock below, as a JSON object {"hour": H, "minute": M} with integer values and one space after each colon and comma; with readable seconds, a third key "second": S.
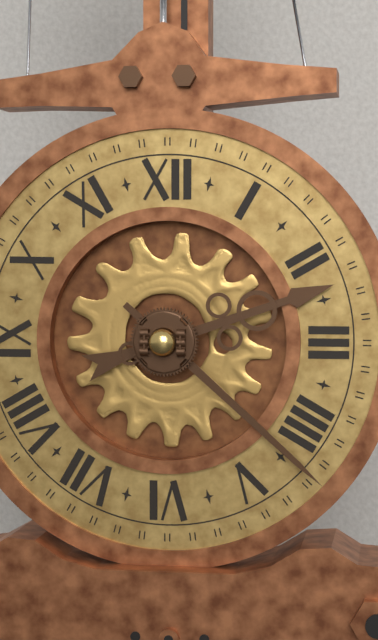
{"hour": 2, "minute": 22}
